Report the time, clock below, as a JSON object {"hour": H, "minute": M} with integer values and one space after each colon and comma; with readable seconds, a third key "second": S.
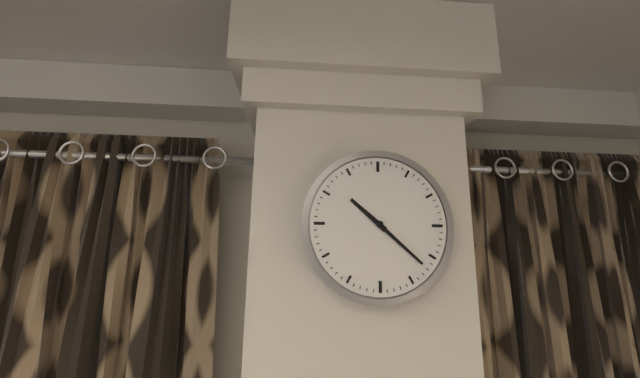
{"hour": 10, "minute": 22}
